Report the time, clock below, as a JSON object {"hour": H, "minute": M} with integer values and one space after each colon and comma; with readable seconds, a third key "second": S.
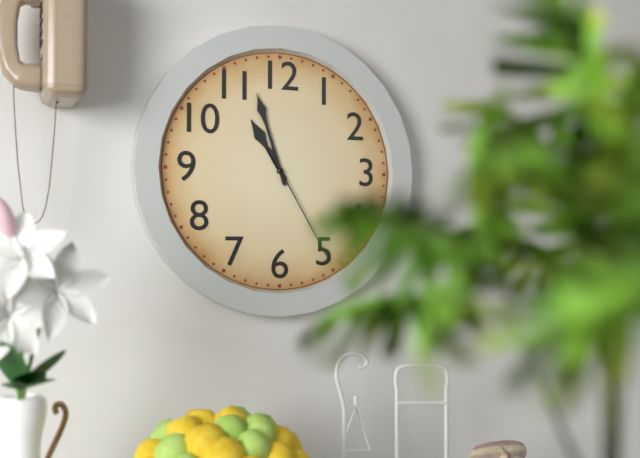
{"hour": 10, "minute": 57, "second": 25}
